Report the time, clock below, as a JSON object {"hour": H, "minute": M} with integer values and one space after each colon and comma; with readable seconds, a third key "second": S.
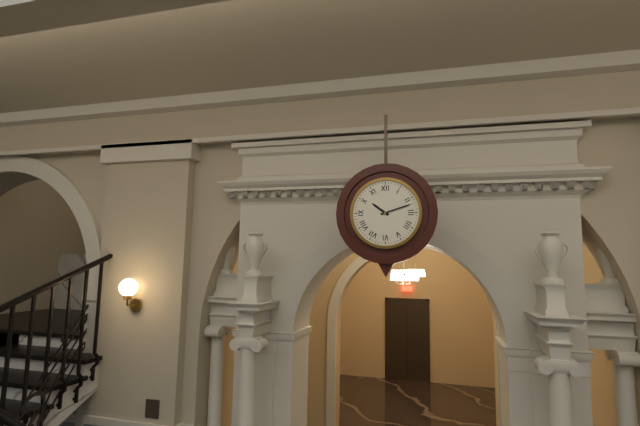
{"hour": 10, "minute": 12}
